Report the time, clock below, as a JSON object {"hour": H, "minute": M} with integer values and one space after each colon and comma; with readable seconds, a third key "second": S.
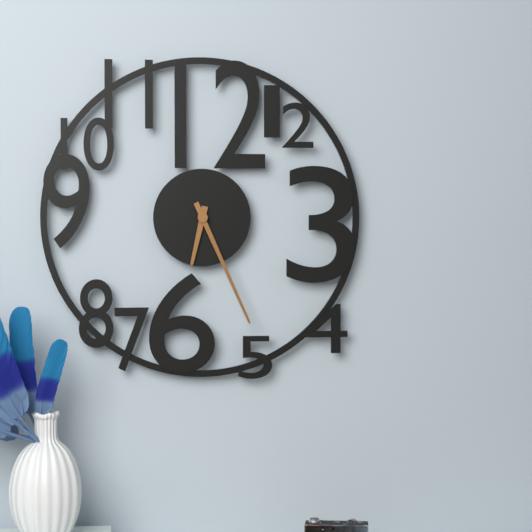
{"hour": 6, "minute": 26}
